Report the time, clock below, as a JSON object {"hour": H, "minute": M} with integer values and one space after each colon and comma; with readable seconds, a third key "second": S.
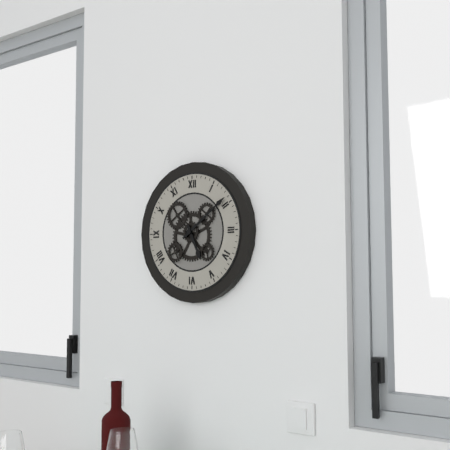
{"hour": 5, "minute": 9}
